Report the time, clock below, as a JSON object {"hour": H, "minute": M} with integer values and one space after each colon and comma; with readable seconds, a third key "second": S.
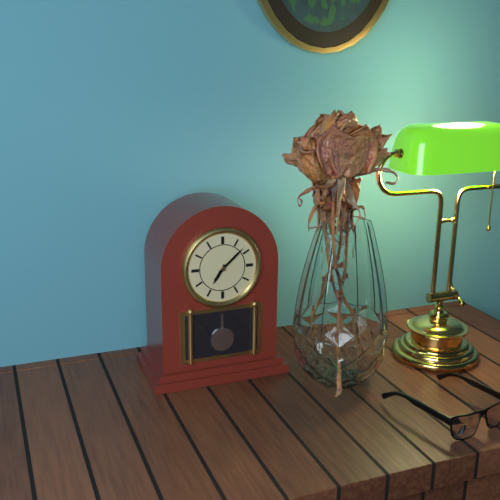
{"hour": 7, "minute": 8}
